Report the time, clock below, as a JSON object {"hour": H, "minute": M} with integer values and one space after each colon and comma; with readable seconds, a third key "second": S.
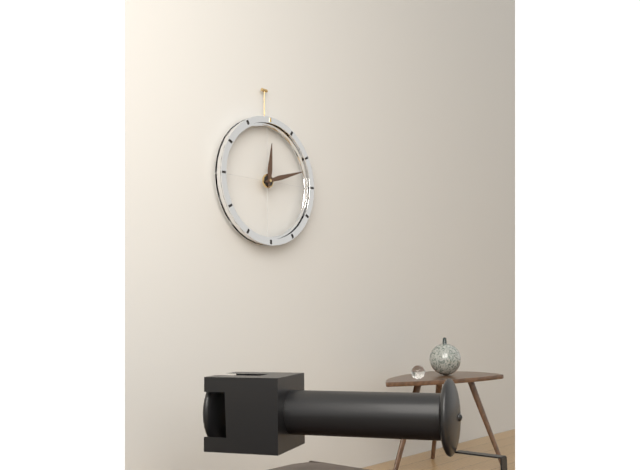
{"hour": 12, "minute": 12}
